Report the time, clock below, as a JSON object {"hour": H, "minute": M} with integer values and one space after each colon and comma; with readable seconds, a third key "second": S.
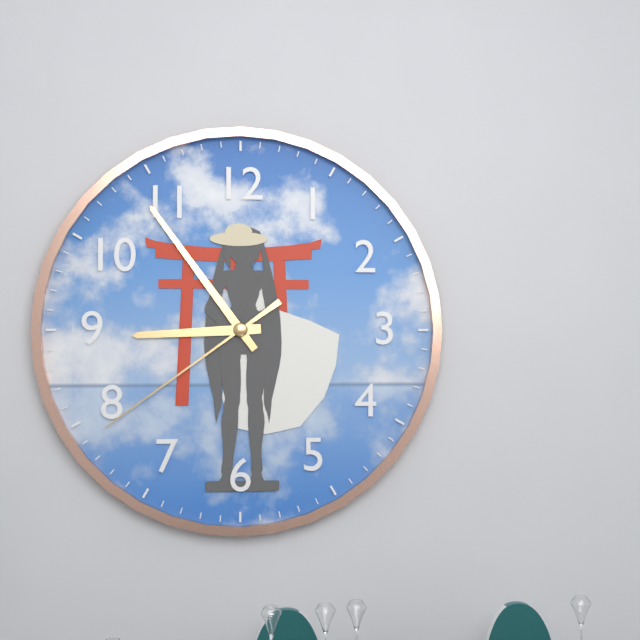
{"hour": 8, "minute": 54, "second": 39}
